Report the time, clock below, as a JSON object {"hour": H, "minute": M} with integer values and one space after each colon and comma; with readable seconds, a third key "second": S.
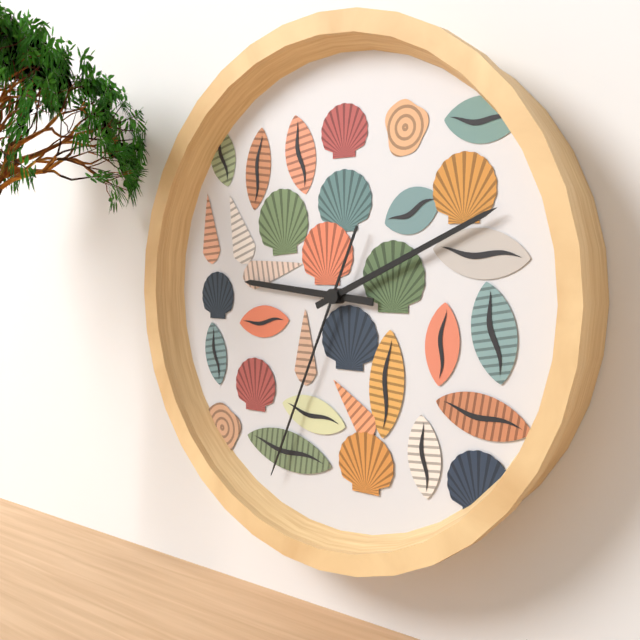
{"hour": 9, "minute": 11, "second": 34}
